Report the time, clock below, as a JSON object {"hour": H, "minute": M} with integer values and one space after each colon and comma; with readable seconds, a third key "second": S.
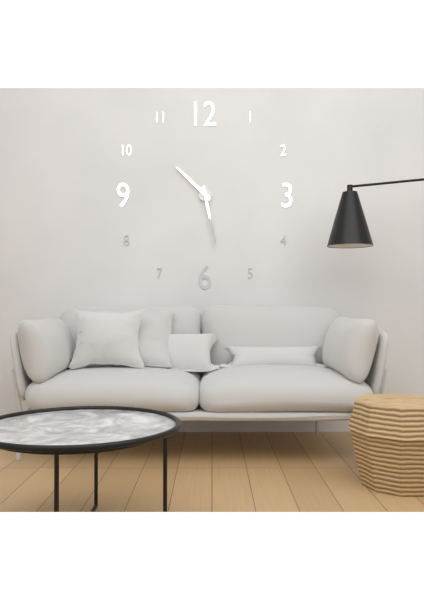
{"hour": 10, "minute": 28}
